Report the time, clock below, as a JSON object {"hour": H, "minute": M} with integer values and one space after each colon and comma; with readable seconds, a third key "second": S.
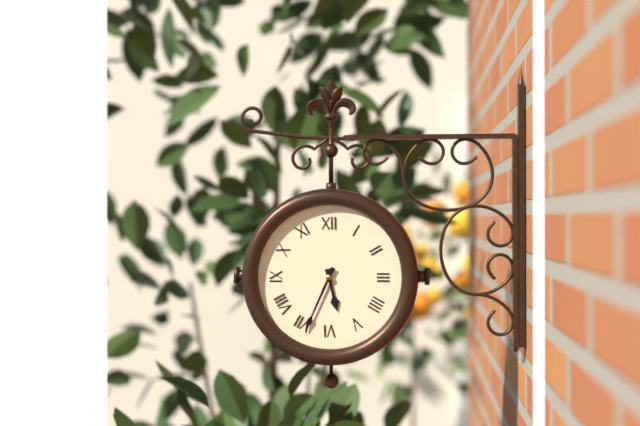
{"hour": 5, "minute": 34}
